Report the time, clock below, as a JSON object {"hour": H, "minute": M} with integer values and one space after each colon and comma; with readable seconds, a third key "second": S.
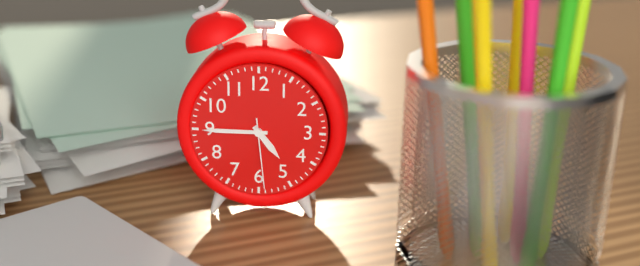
{"hour": 4, "minute": 45, "second": 29}
